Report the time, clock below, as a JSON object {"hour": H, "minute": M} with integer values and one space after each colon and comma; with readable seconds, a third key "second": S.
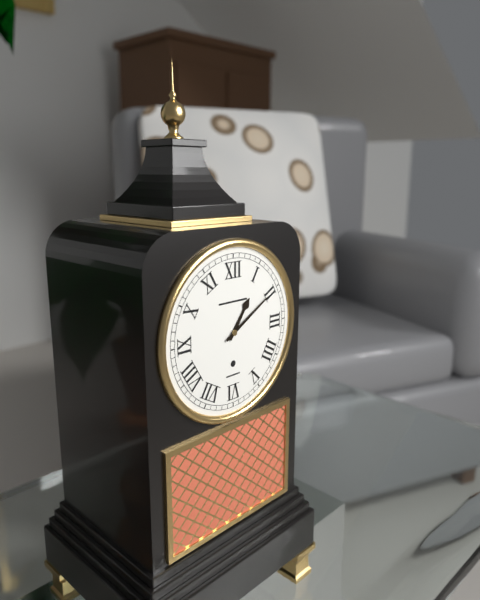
{"hour": 1, "minute": 10}
